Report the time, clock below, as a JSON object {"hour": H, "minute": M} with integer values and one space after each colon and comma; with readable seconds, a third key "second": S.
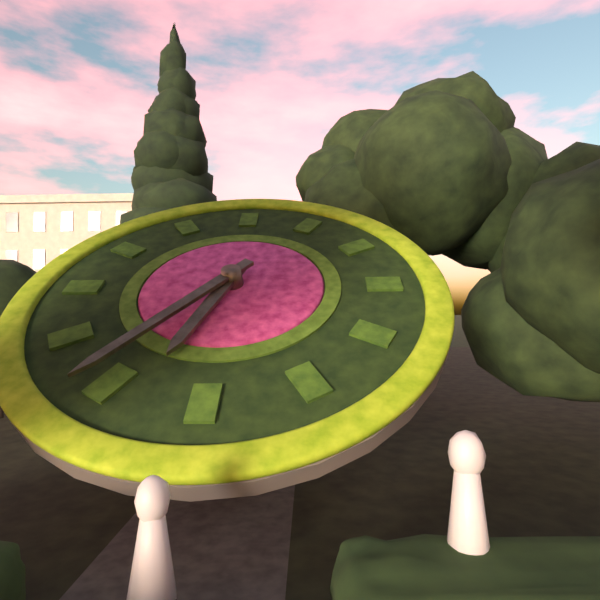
{"hour": 6, "minute": 36}
